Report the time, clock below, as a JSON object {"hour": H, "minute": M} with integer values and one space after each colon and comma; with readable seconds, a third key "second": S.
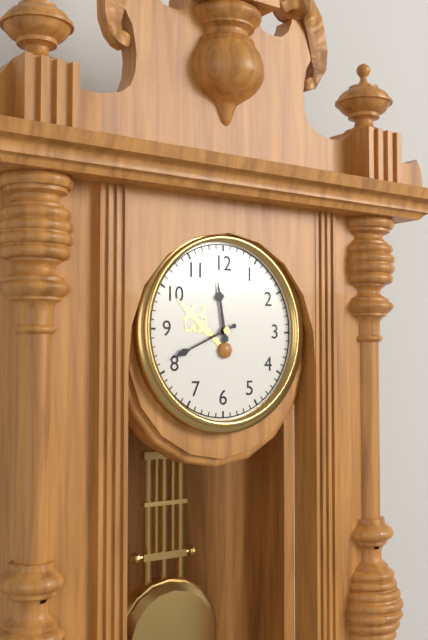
{"hour": 11, "minute": 41}
